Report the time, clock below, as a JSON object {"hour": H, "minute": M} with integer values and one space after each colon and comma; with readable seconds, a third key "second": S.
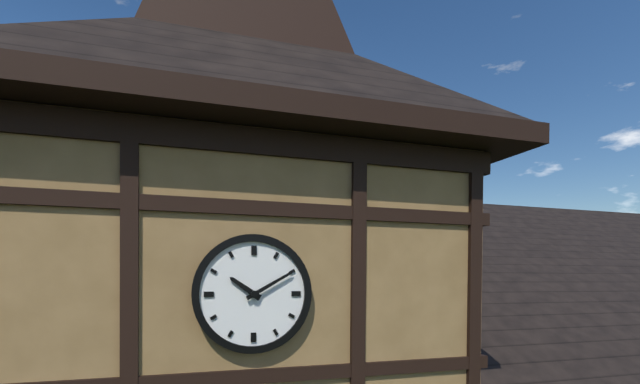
{"hour": 10, "minute": 10}
